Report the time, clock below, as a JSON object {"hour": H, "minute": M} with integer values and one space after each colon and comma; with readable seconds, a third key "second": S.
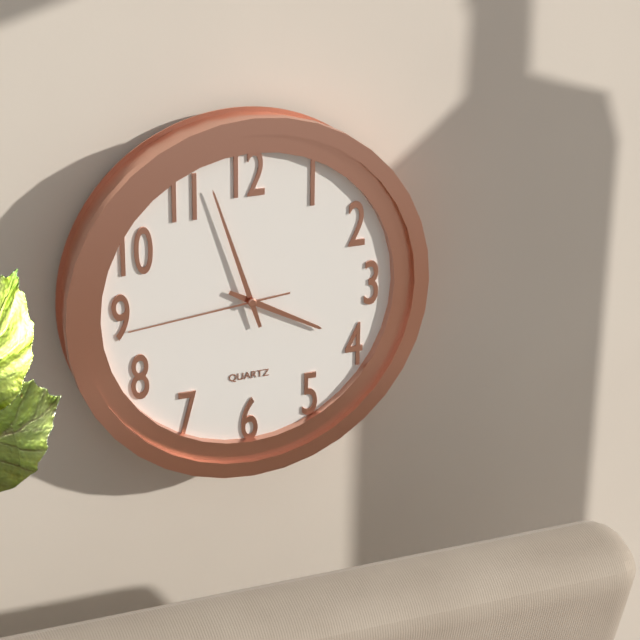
{"hour": 3, "minute": 57, "second": 44}
